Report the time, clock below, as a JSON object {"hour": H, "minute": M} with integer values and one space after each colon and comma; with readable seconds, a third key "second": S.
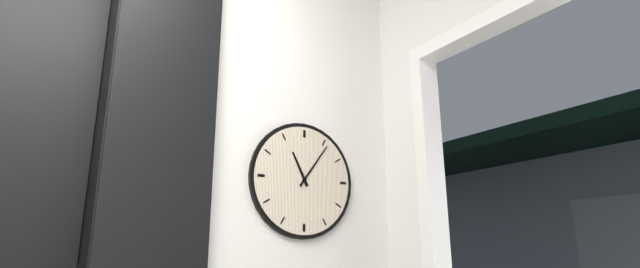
{"hour": 11, "minute": 6}
